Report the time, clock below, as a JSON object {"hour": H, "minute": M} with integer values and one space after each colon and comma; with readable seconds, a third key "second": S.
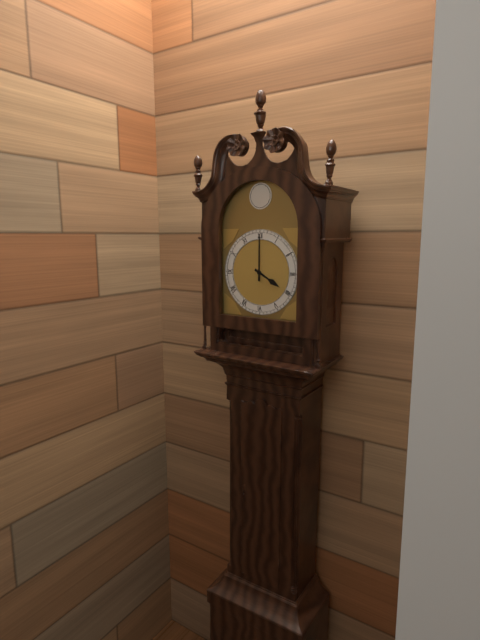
{"hour": 4, "minute": 0}
